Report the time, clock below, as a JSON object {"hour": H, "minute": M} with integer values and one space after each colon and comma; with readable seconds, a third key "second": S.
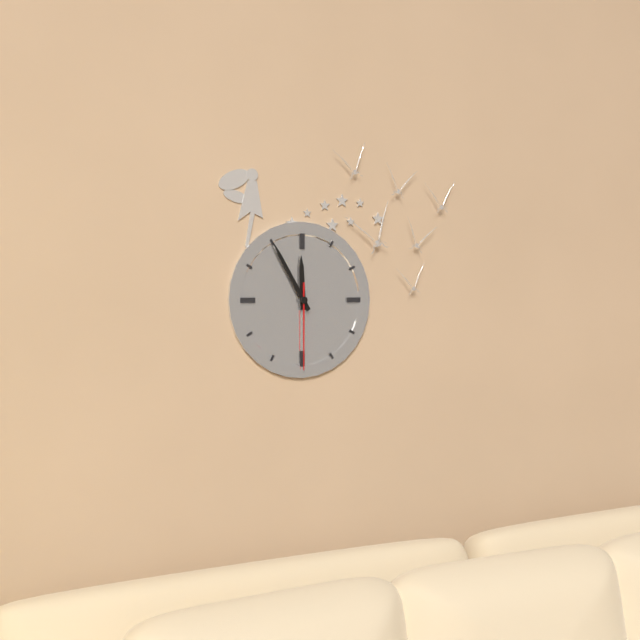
{"hour": 11, "minute": 55, "second": 30}
